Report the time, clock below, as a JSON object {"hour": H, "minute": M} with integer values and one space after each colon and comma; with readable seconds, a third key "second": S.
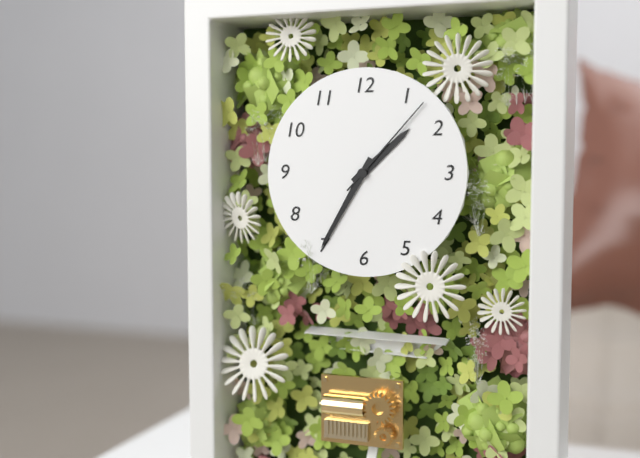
{"hour": 1, "minute": 35, "second": 7}
